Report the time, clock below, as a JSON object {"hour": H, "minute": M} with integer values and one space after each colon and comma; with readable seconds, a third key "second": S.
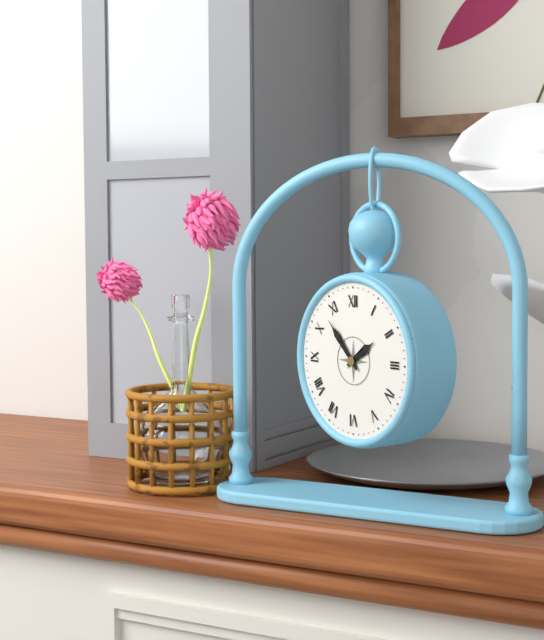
{"hour": 1, "minute": 53}
